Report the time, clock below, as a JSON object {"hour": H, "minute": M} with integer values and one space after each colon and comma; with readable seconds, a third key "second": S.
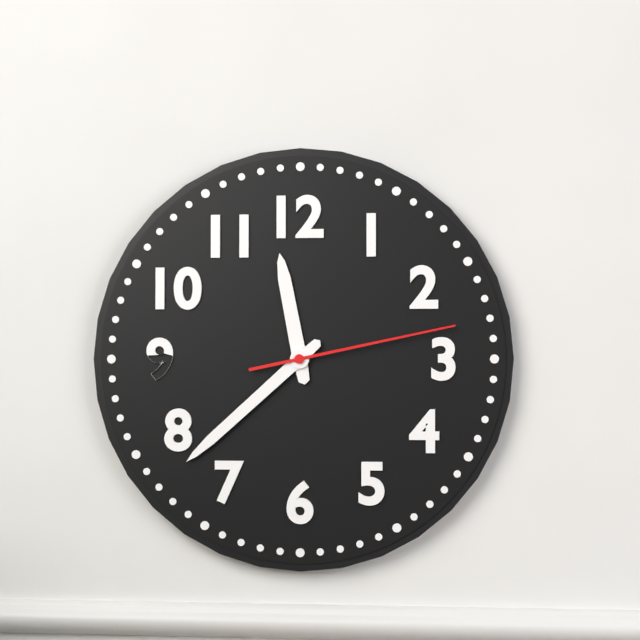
{"hour": 11, "minute": 38, "second": 13}
